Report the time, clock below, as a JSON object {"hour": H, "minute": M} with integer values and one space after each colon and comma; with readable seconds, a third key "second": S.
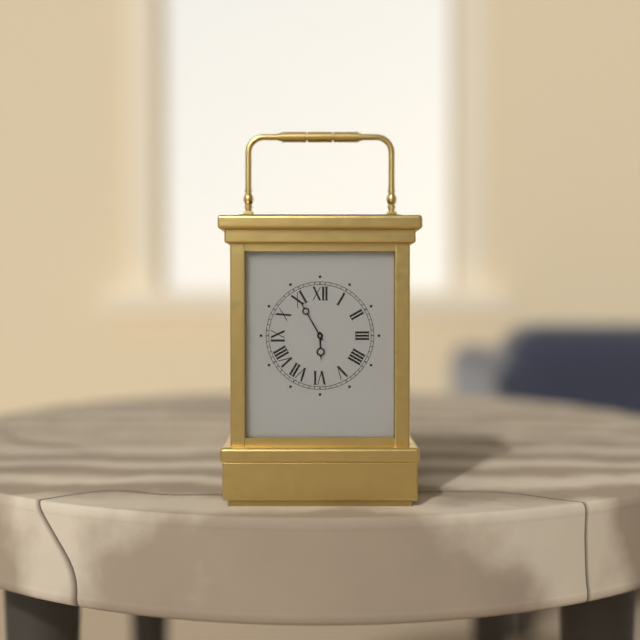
{"hour": 5, "minute": 55}
